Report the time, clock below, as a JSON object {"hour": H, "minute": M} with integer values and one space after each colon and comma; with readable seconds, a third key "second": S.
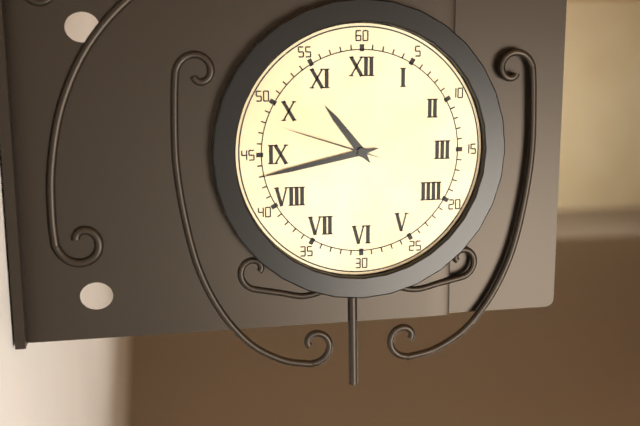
{"hour": 10, "minute": 43, "second": 48}
